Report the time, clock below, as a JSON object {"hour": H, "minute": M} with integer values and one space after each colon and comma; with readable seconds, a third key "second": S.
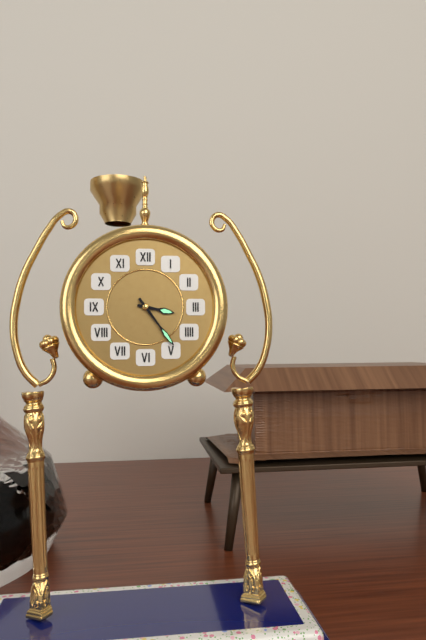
{"hour": 3, "minute": 24}
